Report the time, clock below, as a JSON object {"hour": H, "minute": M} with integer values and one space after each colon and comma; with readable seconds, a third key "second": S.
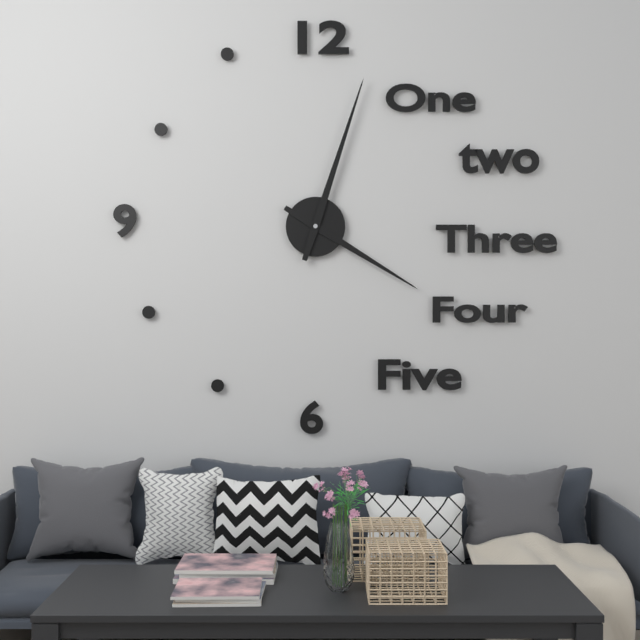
{"hour": 4, "minute": 3}
